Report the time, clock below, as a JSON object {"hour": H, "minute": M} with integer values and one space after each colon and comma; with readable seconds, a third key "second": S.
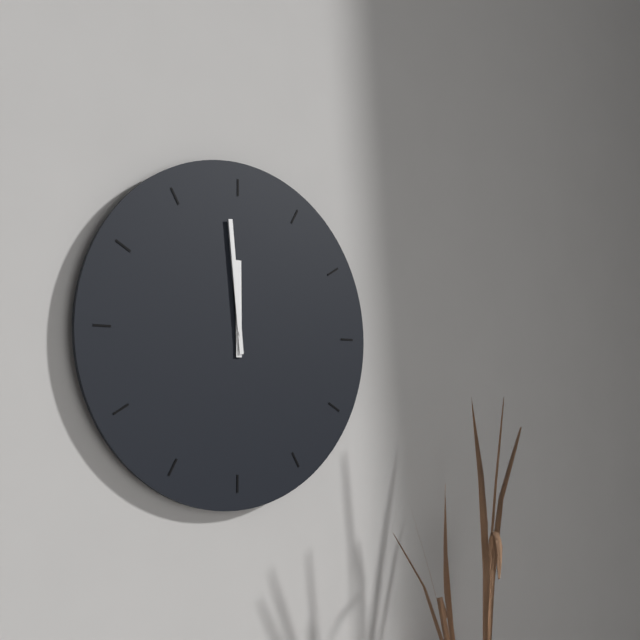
{"hour": 11, "minute": 59}
